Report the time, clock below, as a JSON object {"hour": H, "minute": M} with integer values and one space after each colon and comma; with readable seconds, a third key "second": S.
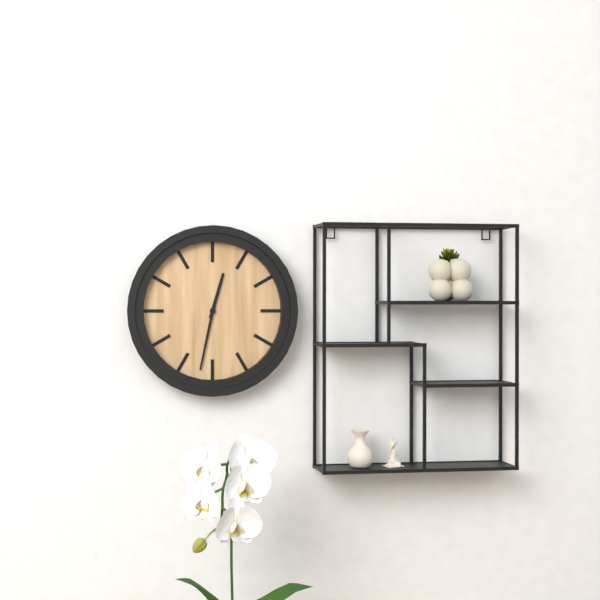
{"hour": 12, "minute": 32}
